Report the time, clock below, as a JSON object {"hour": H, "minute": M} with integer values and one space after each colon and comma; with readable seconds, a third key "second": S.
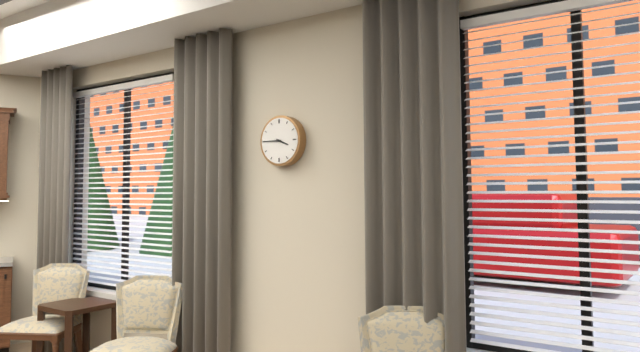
{"hour": 3, "minute": 45}
